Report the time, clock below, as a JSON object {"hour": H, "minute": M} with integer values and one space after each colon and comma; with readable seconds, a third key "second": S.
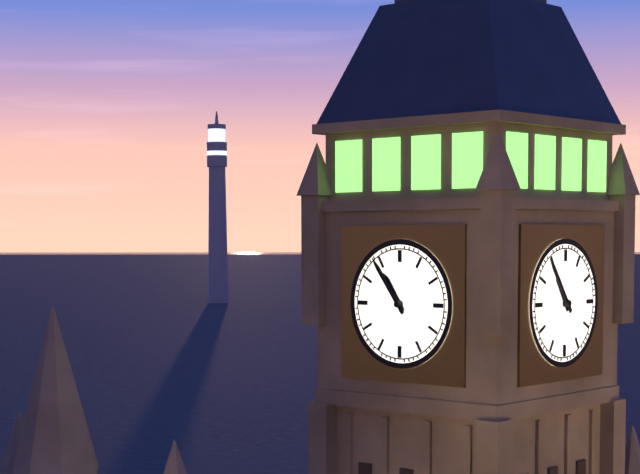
{"hour": 10, "minute": 54}
